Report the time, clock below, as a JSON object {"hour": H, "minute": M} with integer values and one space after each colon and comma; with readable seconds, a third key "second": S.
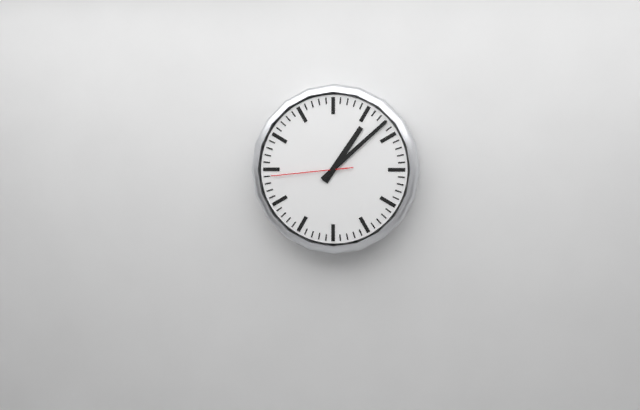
{"hour": 1, "minute": 8, "second": 44}
